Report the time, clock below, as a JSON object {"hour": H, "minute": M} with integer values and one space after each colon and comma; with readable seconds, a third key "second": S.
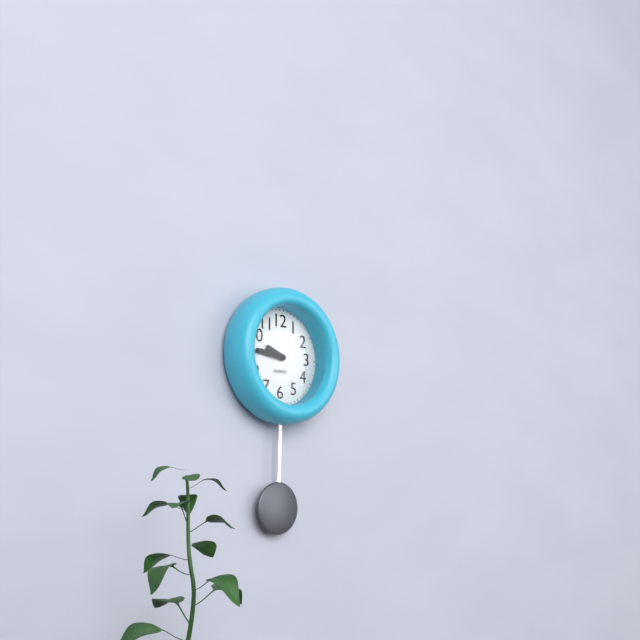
{"hour": 9, "minute": 46}
